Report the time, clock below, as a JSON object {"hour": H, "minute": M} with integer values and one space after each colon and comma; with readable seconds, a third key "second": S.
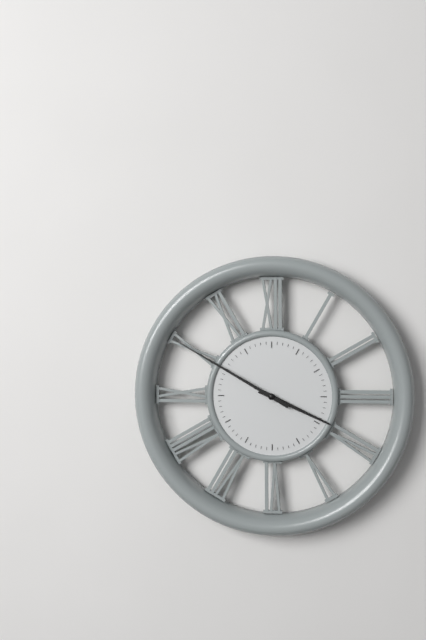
{"hour": 3, "minute": 50}
